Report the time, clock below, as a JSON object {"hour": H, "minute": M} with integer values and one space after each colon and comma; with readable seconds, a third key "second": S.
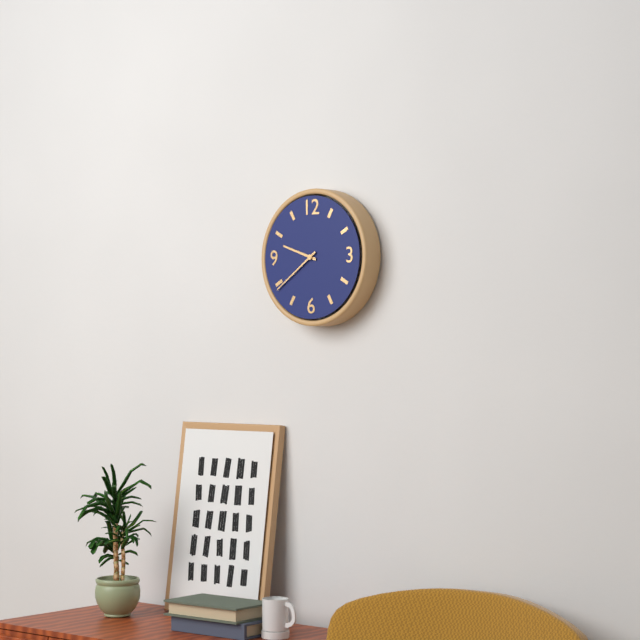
{"hour": 9, "minute": 39}
